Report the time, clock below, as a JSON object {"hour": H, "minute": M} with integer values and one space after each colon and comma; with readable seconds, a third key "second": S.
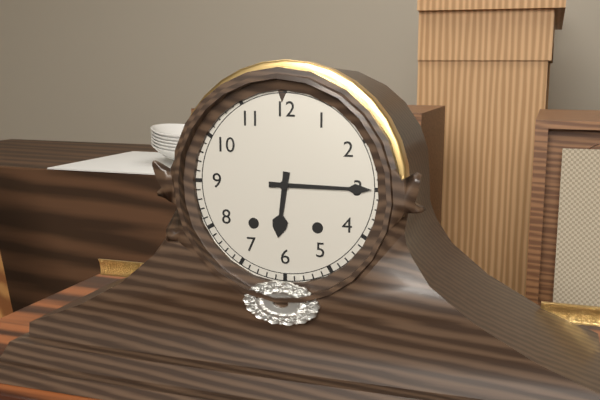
{"hour": 6, "minute": 15}
